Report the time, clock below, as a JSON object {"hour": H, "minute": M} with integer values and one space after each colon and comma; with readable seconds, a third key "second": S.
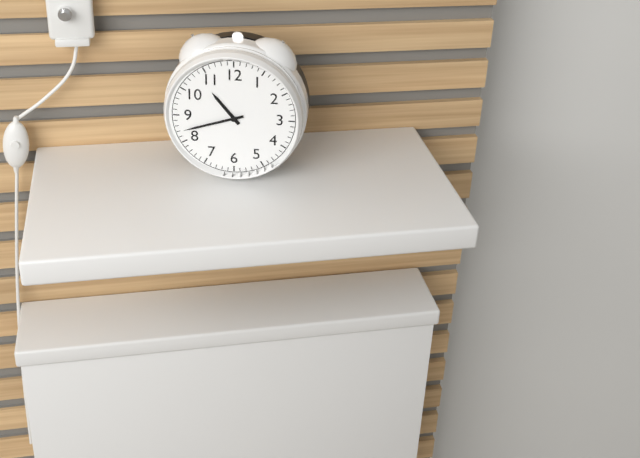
{"hour": 10, "minute": 42}
